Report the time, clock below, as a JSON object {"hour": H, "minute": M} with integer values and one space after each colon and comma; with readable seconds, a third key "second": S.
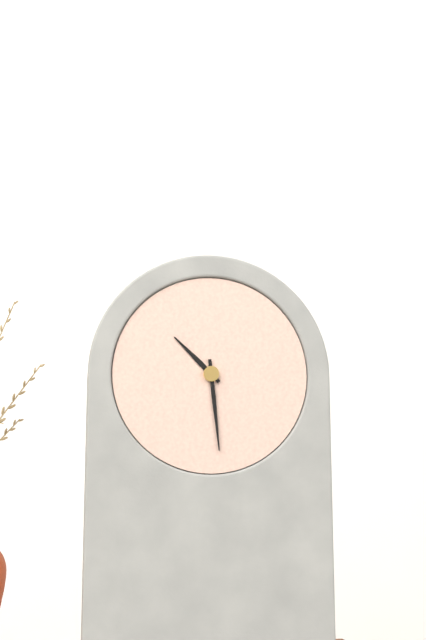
{"hour": 10, "minute": 29}
